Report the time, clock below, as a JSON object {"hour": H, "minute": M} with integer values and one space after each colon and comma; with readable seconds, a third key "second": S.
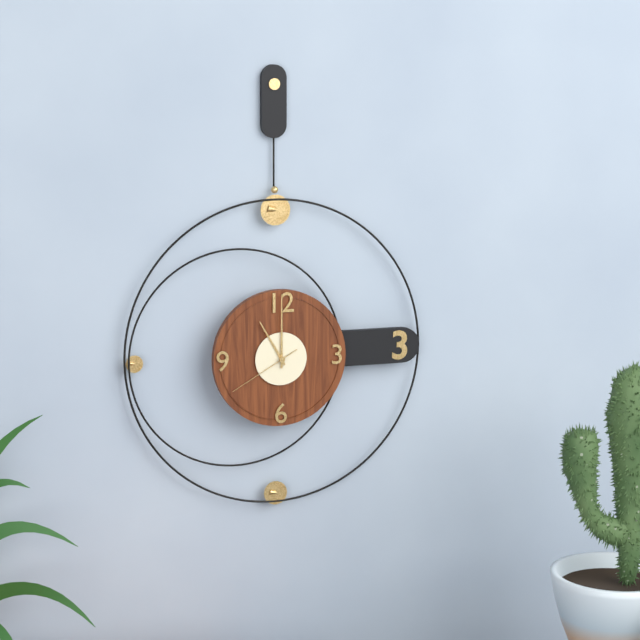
{"hour": 11, "minute": 0, "second": 40}
